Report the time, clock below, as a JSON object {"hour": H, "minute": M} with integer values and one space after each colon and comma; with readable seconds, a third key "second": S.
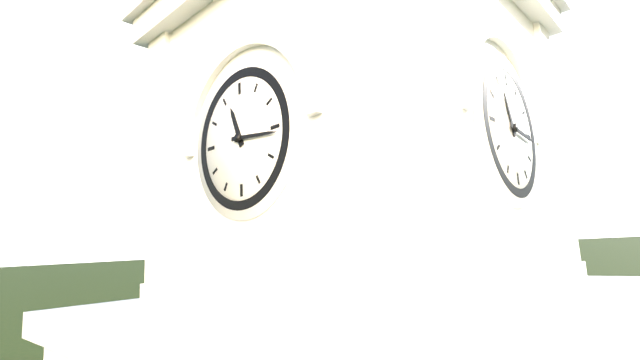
{"hour": 11, "minute": 16}
